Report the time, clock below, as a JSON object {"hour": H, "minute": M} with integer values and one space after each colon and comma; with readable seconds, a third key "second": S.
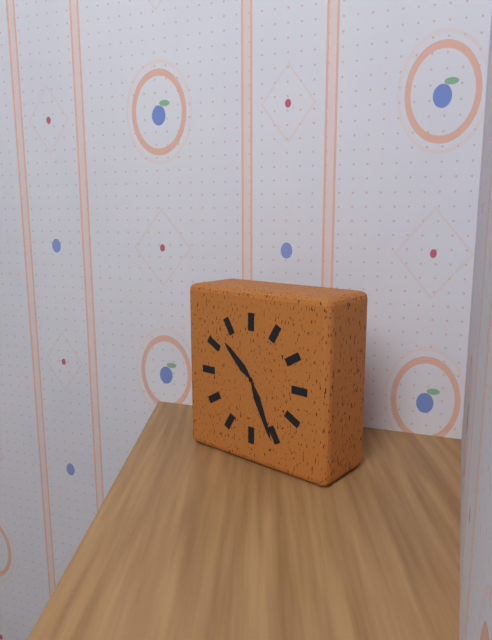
{"hour": 10, "minute": 26}
